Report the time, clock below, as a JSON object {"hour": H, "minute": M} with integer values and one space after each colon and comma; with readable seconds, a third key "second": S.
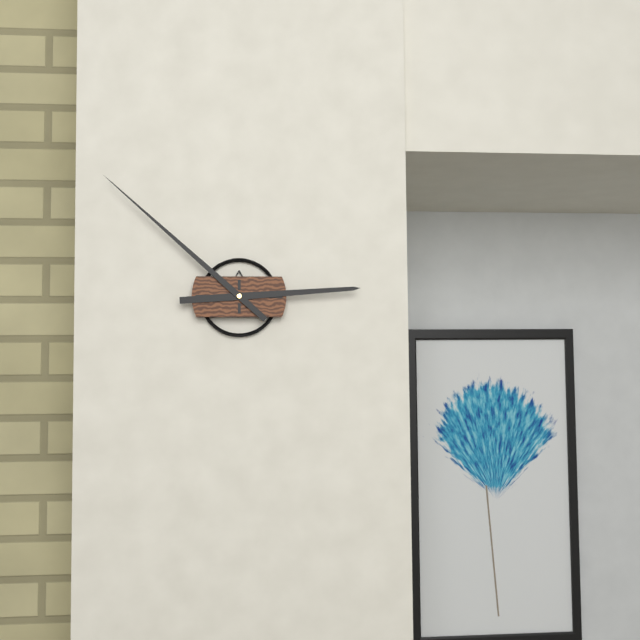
{"hour": 2, "minute": 52}
